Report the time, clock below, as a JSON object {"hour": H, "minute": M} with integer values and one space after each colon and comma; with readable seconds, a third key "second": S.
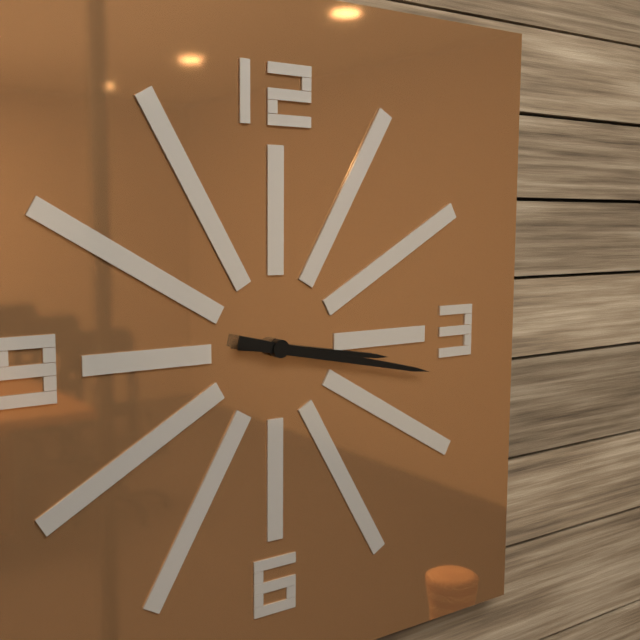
{"hour": 3, "minute": 17}
